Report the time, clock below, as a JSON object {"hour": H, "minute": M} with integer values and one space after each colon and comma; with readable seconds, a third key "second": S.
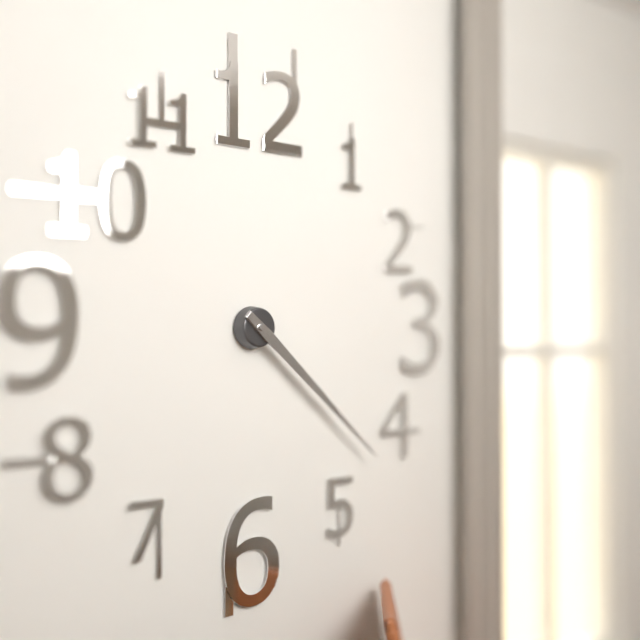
{"hour": 4, "minute": 22}
